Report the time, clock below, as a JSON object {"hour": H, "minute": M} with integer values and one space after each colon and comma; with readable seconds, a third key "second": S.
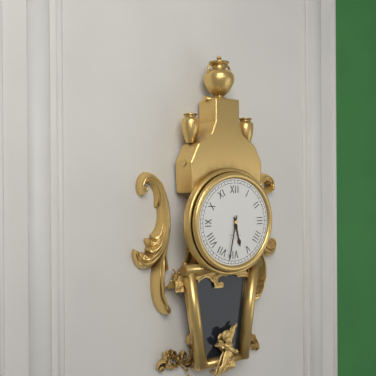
{"hour": 5, "minute": 32}
